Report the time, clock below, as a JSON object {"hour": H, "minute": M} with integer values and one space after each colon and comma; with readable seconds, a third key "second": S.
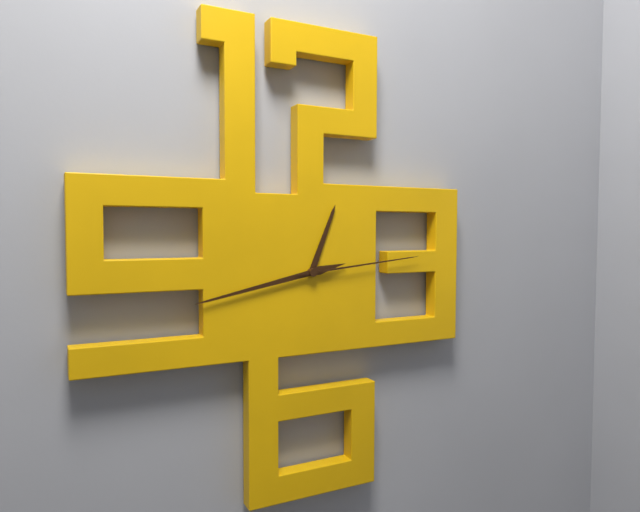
{"hour": 12, "minute": 43, "second": 14}
